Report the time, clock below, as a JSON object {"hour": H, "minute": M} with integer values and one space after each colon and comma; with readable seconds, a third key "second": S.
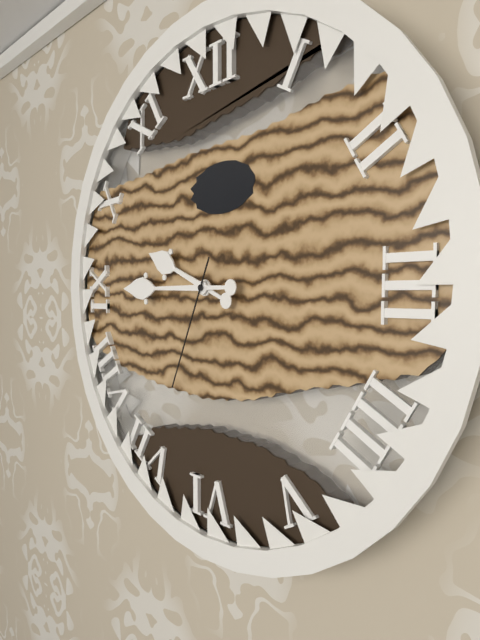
{"hour": 9, "minute": 45, "second": 34}
